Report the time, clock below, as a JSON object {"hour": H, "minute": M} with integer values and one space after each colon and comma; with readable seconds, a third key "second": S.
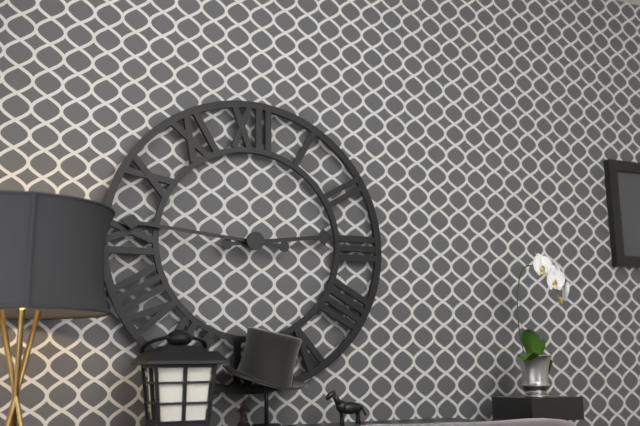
{"hour": 2, "minute": 46}
